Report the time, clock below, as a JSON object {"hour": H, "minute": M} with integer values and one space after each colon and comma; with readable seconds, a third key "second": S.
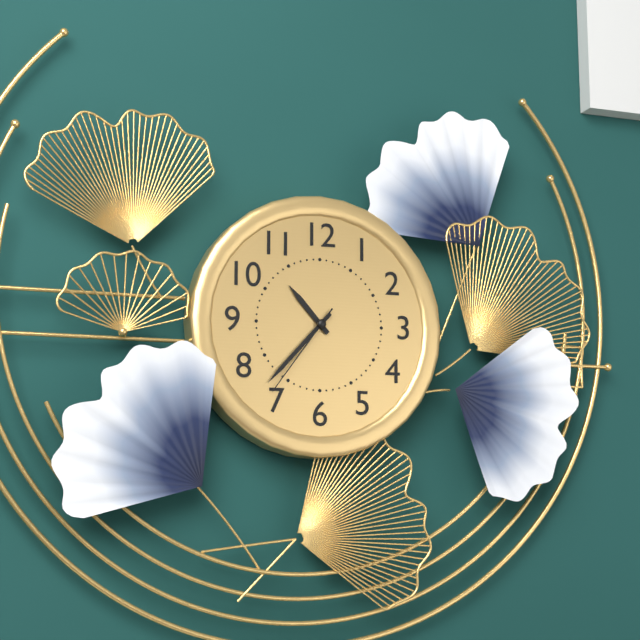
{"hour": 10, "minute": 37, "second": 36}
